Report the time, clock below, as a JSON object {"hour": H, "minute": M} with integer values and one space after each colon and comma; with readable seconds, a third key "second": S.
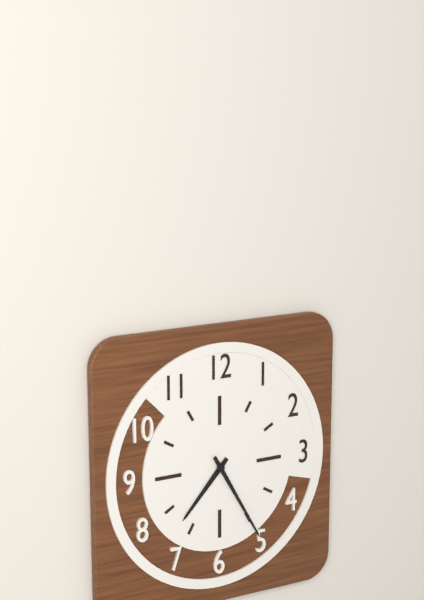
{"hour": 7, "minute": 25}
